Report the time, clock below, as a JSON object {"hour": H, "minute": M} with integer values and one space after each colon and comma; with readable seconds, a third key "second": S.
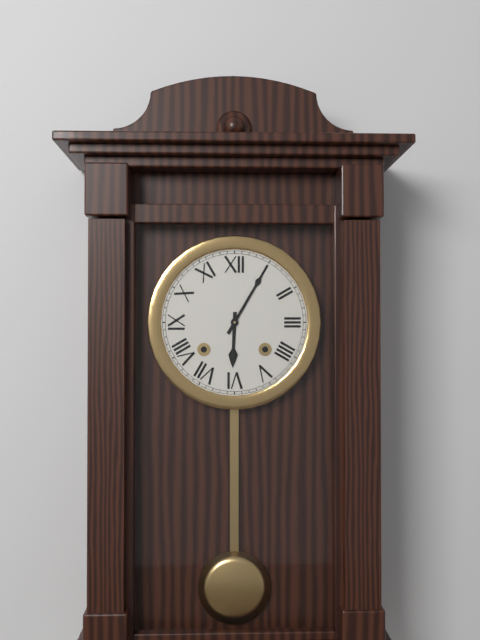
{"hour": 6, "minute": 5}
